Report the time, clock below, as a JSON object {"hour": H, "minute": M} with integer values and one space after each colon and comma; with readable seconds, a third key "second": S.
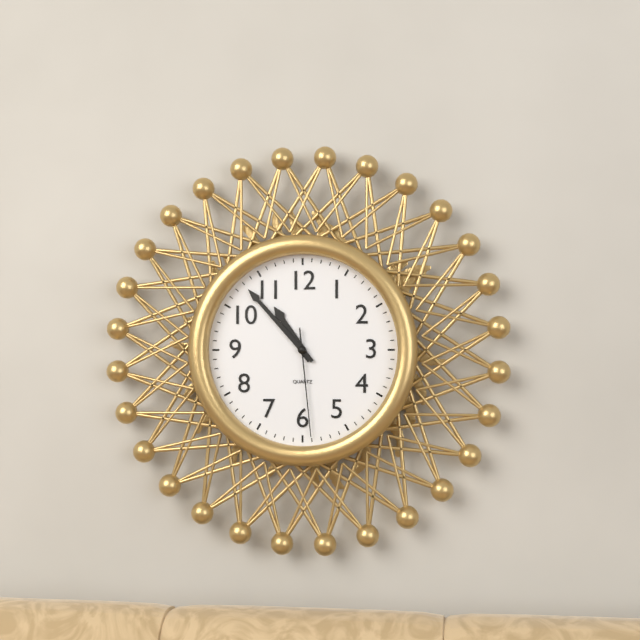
{"hour": 10, "minute": 53, "second": 29}
